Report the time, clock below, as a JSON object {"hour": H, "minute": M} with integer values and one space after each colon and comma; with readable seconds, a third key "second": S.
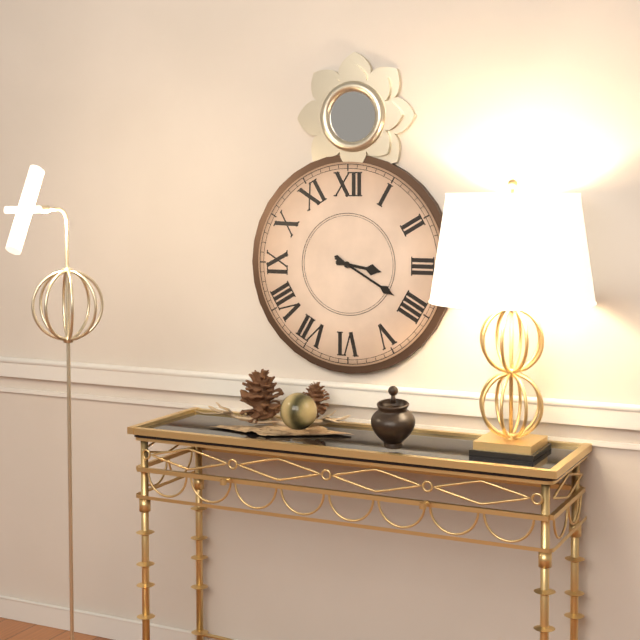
{"hour": 3, "minute": 20}
